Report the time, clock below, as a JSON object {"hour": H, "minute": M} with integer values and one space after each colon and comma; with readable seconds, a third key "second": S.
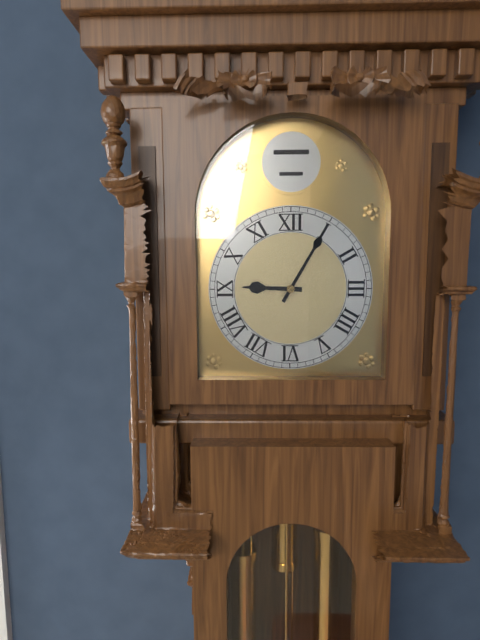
{"hour": 9, "minute": 5}
